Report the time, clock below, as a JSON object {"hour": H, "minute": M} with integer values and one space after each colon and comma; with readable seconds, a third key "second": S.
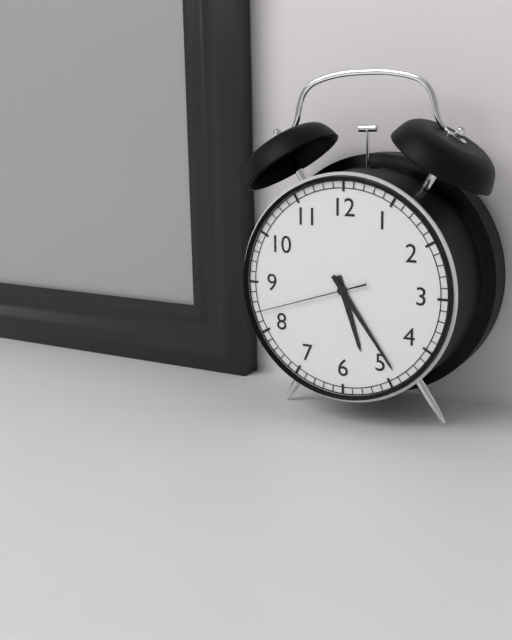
{"hour": 5, "minute": 24, "second": 42}
